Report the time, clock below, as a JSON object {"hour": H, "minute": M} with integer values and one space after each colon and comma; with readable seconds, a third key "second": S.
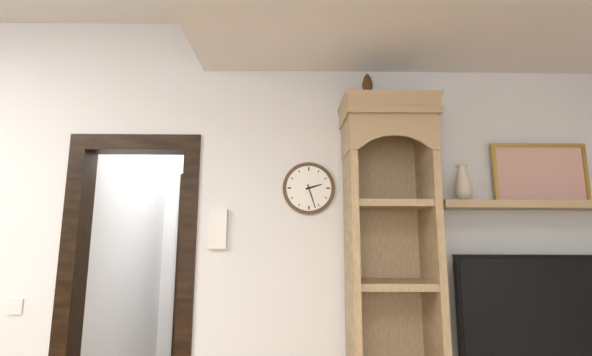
{"hour": 2, "minute": 27}
